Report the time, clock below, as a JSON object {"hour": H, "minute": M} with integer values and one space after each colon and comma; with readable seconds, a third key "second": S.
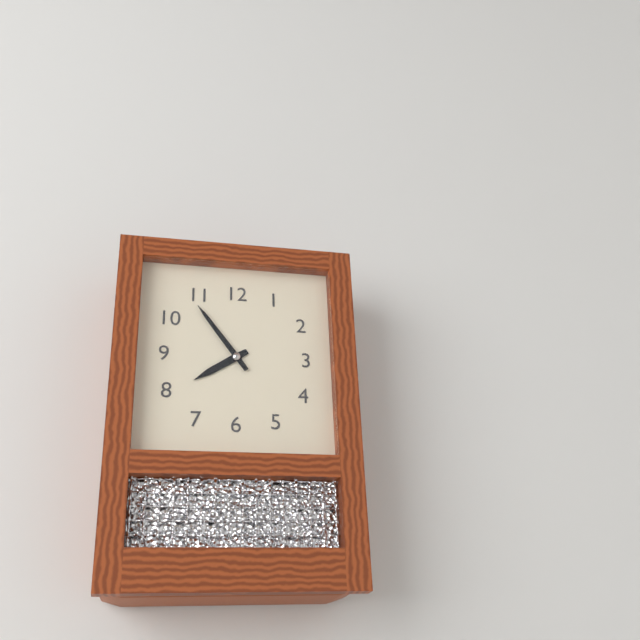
{"hour": 7, "minute": 54}
